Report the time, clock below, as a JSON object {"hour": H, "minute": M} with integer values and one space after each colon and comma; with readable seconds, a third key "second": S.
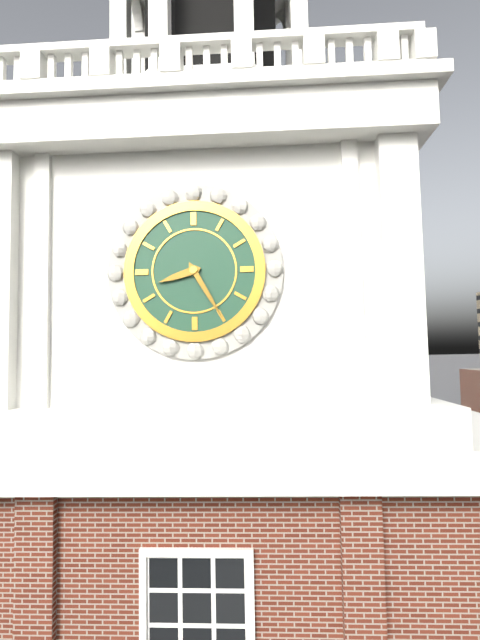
{"hour": 8, "minute": 25}
